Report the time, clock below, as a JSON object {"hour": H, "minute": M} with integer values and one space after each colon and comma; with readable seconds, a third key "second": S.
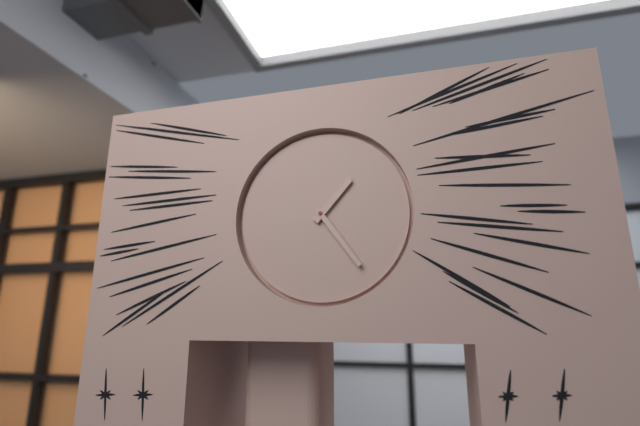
{"hour": 1, "minute": 24}
